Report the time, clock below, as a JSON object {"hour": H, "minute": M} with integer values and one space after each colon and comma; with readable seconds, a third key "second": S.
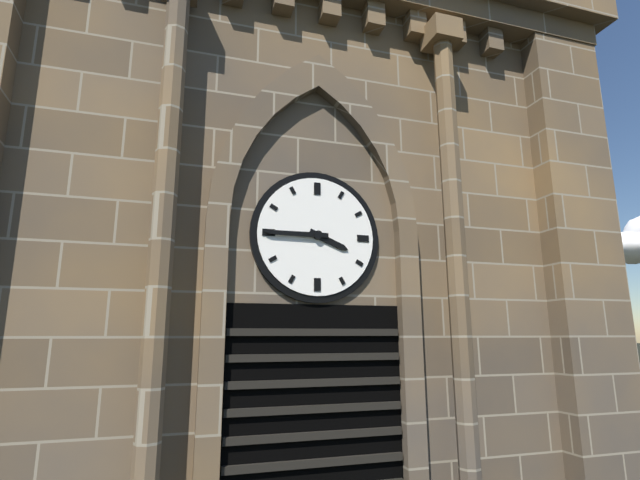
{"hour": 3, "minute": 45}
